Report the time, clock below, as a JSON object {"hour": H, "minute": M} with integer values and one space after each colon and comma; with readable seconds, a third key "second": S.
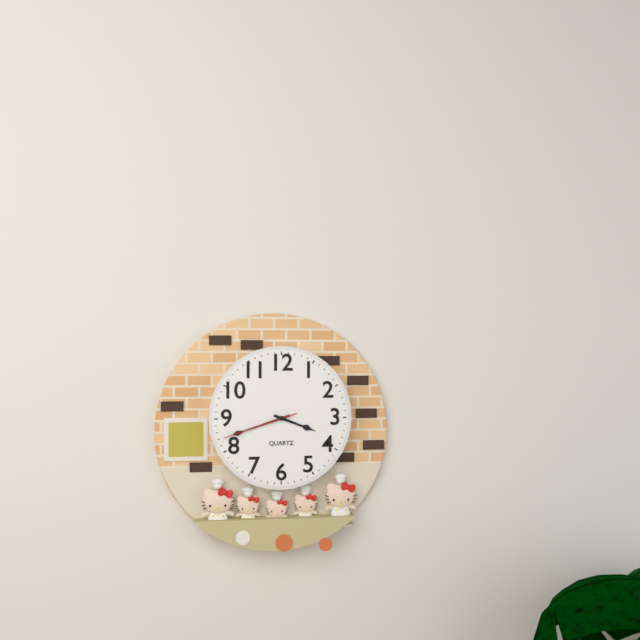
{"hour": 3, "minute": 42, "second": 42}
